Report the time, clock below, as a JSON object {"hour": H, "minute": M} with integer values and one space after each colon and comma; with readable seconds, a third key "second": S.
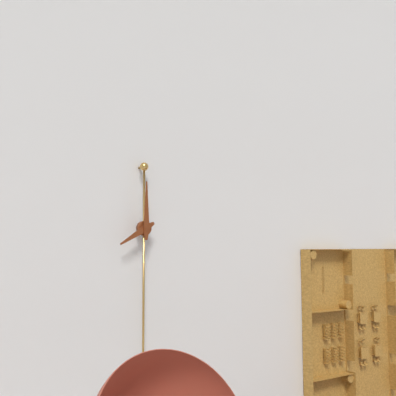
{"hour": 8, "minute": 0}
